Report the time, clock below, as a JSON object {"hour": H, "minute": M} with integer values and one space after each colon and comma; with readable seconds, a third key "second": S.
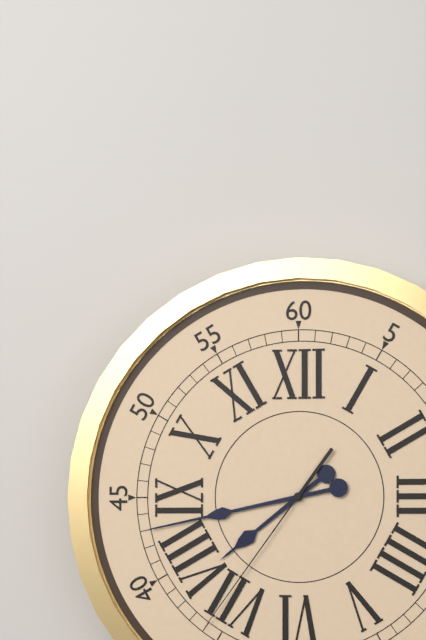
{"hour": 7, "minute": 43, "second": 36}
